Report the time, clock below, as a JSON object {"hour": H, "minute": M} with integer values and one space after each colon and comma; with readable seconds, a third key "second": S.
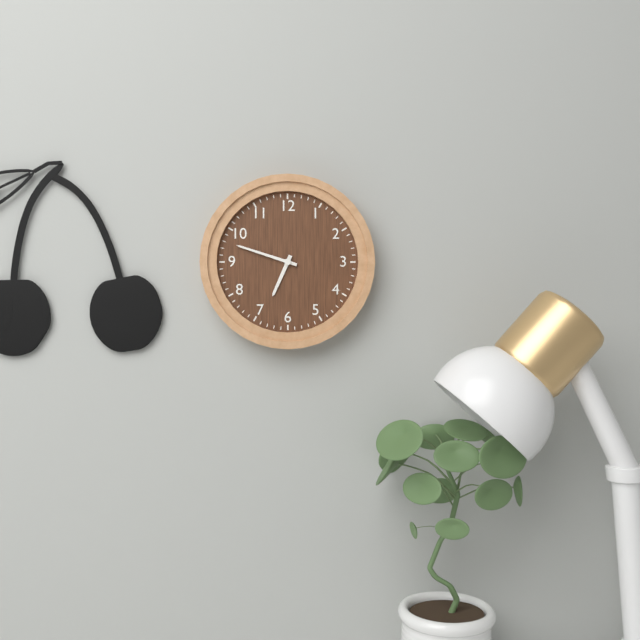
{"hour": 6, "minute": 48}
